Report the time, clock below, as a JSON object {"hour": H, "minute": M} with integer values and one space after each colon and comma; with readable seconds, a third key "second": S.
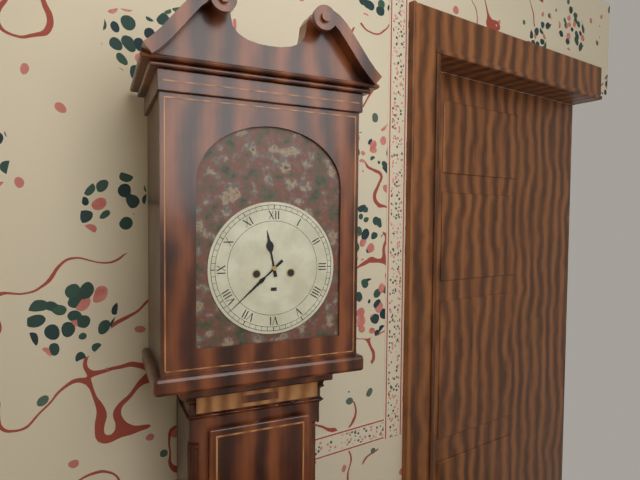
{"hour": 11, "minute": 38}
